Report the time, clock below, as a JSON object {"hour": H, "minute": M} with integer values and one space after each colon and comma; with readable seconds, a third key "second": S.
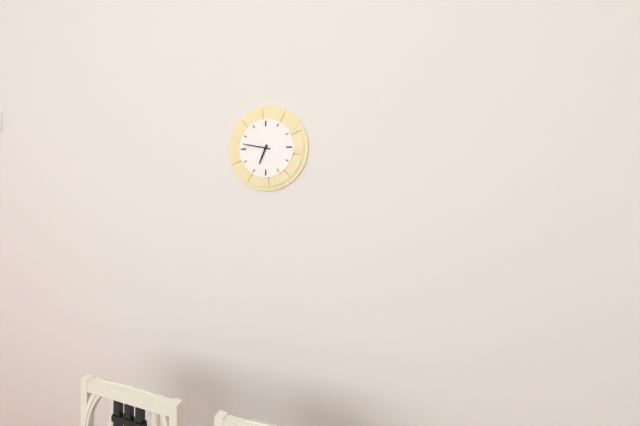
{"hour": 6, "minute": 47}
